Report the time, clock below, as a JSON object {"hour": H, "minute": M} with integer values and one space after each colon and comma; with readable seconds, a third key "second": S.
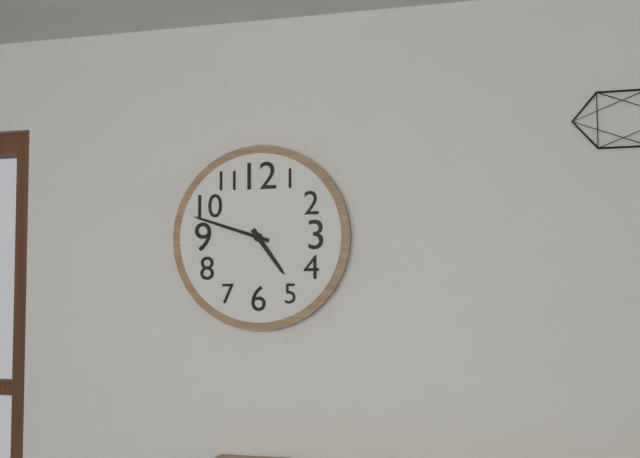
{"hour": 4, "minute": 48}
